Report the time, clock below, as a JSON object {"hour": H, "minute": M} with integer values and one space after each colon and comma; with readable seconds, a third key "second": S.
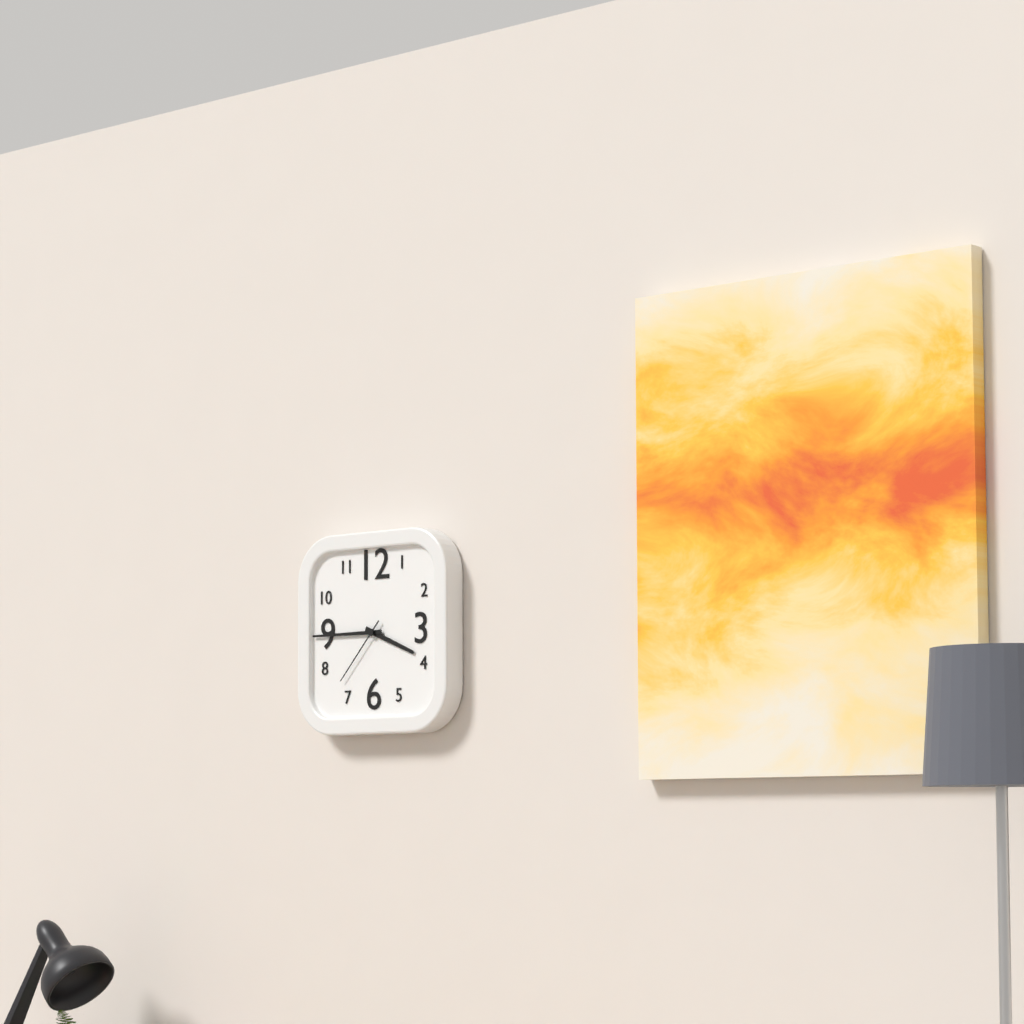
{"hour": 3, "minute": 45, "second": 37}
